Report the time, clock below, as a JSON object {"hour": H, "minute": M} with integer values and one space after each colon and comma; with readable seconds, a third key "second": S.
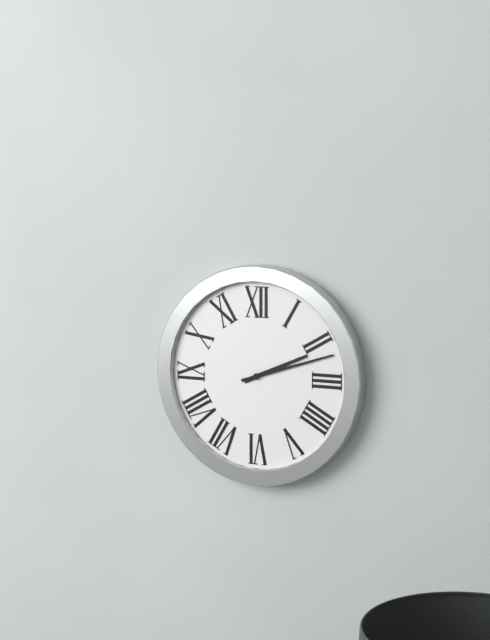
{"hour": 2, "minute": 12}
